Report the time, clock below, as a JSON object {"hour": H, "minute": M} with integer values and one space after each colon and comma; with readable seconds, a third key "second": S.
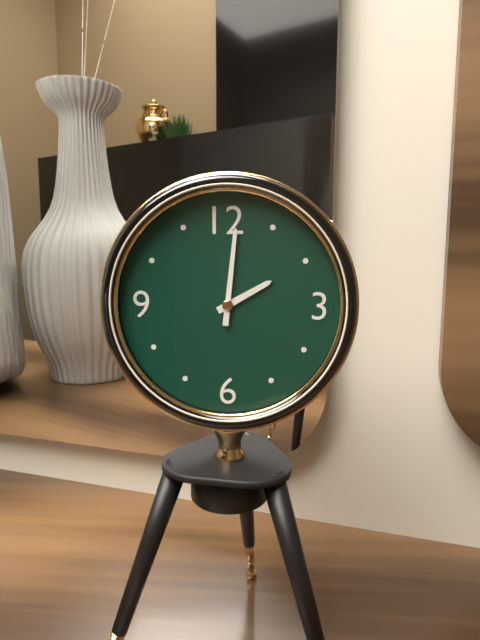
{"hour": 2, "minute": 1}
